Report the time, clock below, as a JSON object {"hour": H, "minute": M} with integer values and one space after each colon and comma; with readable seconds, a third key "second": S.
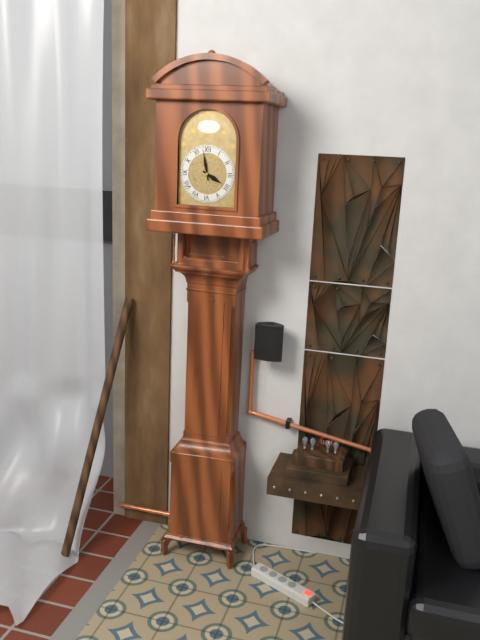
{"hour": 3, "minute": 58}
